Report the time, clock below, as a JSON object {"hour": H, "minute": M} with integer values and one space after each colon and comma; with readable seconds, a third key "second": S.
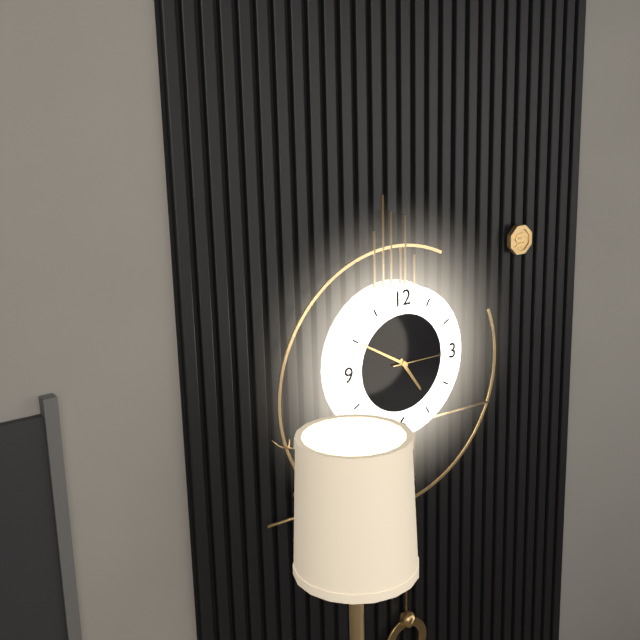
{"hour": 4, "minute": 50, "second": 15}
